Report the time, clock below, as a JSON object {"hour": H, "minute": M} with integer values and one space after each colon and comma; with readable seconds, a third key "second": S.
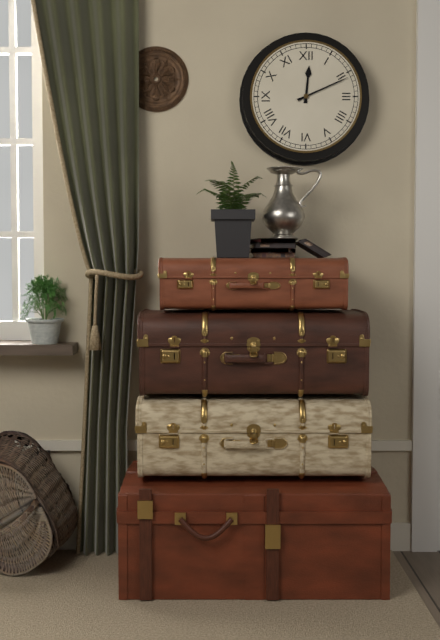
{"hour": 12, "minute": 11}
